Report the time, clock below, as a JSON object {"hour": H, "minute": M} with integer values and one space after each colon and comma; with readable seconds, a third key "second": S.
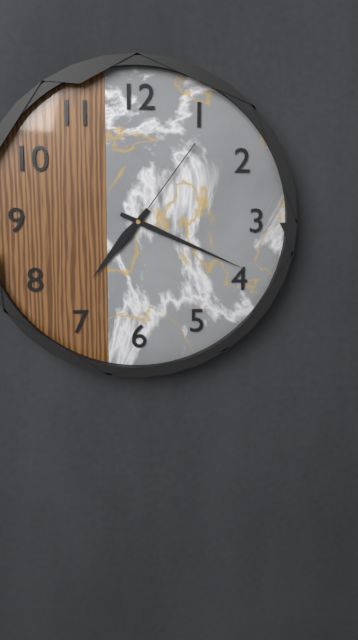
{"hour": 7, "minute": 19, "second": 6}
